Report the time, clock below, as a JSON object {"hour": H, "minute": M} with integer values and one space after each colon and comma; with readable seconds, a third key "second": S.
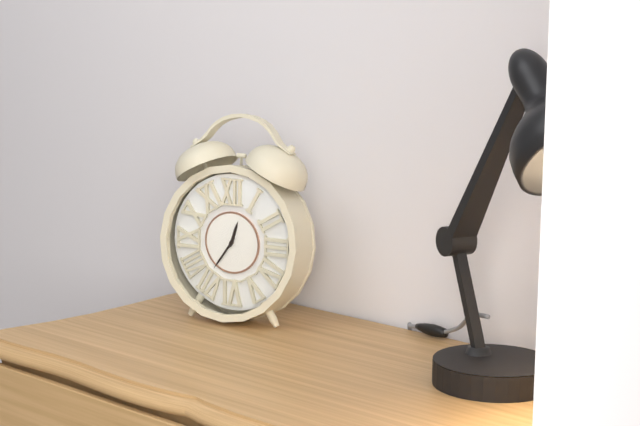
{"hour": 12, "minute": 36}
